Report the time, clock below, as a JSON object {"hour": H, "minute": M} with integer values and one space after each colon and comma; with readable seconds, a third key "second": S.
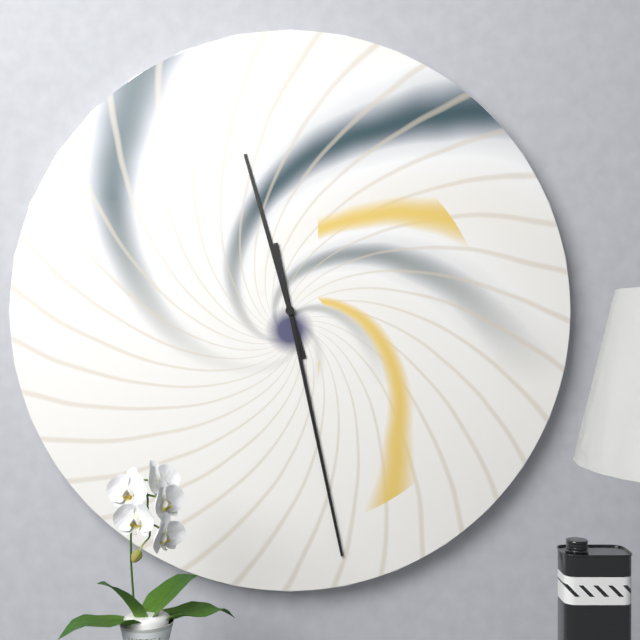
{"hour": 11, "minute": 28}
